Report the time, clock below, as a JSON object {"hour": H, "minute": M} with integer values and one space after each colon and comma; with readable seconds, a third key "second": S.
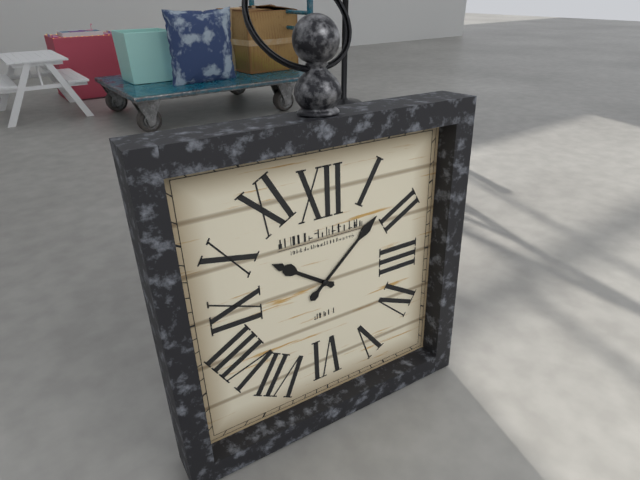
{"hour": 10, "minute": 8}
